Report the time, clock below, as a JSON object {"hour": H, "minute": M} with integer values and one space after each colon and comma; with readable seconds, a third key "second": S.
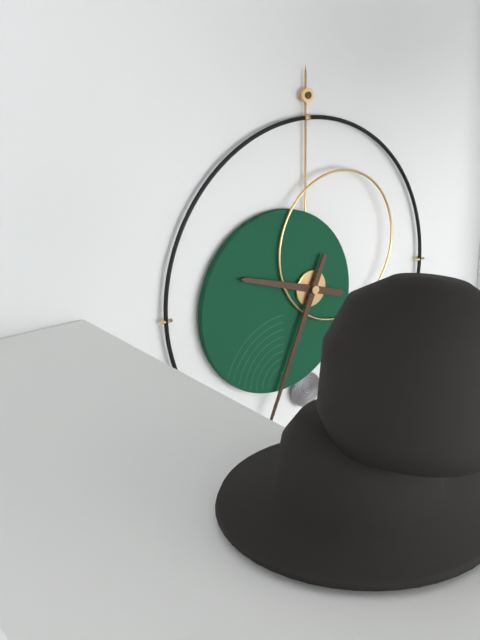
{"hour": 9, "minute": 34}
